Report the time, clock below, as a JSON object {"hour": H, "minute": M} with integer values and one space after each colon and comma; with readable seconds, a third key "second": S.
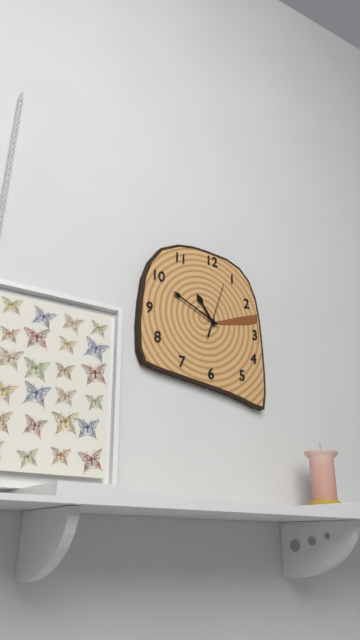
{"hour": 10, "minute": 49, "second": 3}
